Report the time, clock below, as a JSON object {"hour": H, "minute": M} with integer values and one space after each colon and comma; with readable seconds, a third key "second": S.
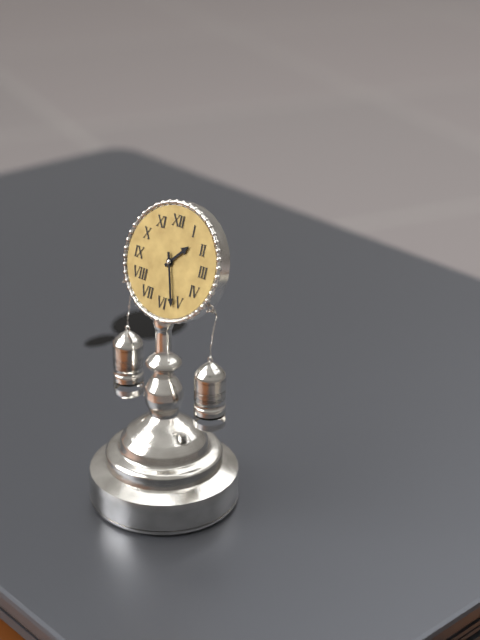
{"hour": 1, "minute": 27}
